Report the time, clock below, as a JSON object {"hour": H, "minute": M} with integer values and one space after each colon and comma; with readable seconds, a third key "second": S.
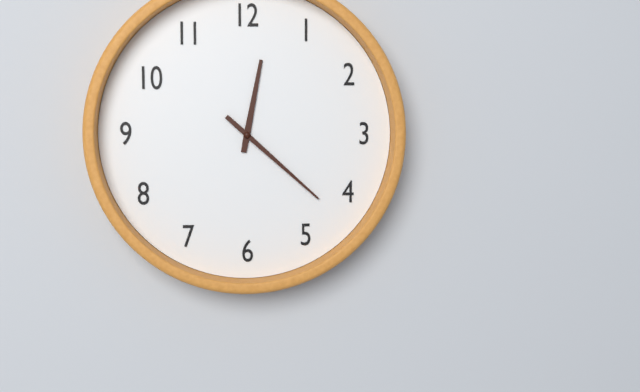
{"hour": 12, "minute": 22}
